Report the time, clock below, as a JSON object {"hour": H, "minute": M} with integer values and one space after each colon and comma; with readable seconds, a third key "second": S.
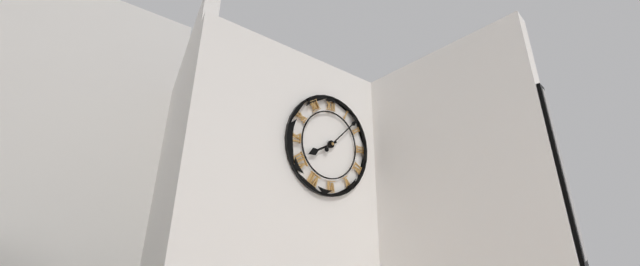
{"hour": 8, "minute": 8}
